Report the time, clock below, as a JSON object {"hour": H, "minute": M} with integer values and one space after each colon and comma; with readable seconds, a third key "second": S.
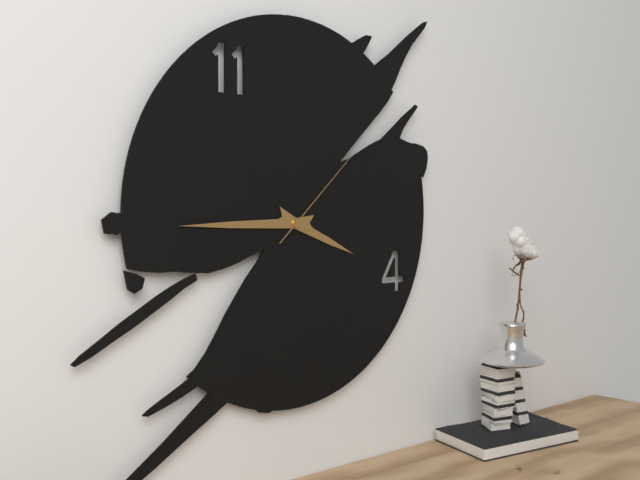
{"hour": 3, "minute": 45, "second": 8}
